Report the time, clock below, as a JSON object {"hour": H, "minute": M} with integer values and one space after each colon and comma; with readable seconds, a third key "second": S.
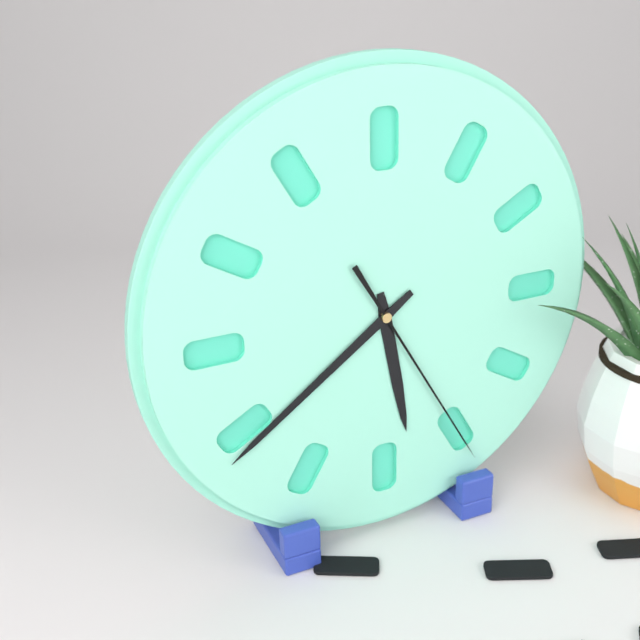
{"hour": 5, "minute": 39, "second": 25}
